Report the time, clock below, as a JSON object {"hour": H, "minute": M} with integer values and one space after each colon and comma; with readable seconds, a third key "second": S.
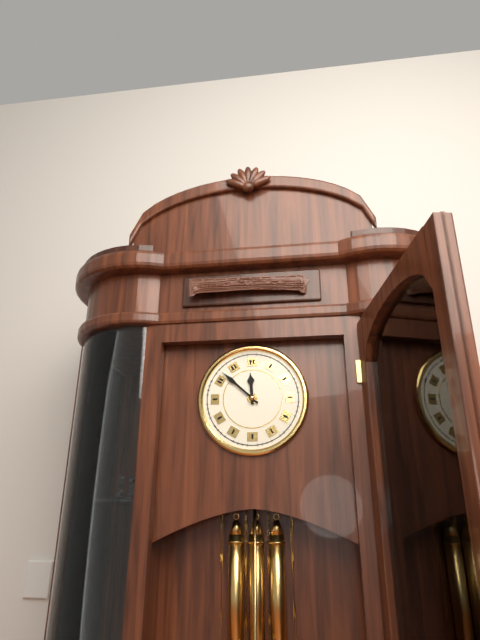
{"hour": 11, "minute": 52}
